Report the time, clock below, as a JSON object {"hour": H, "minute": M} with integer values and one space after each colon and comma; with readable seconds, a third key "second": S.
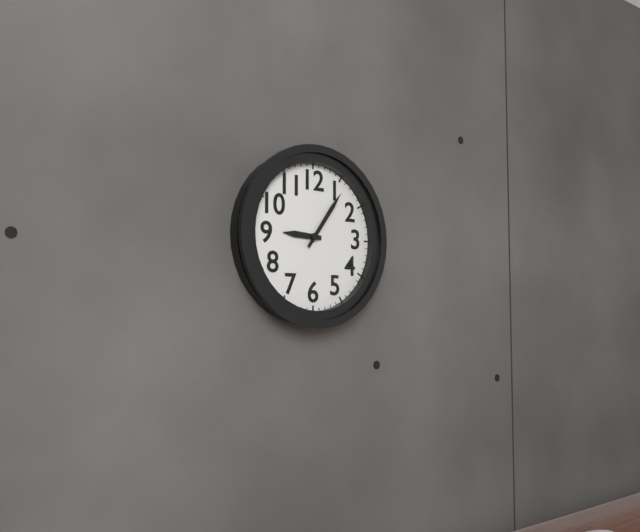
{"hour": 9, "minute": 6}
